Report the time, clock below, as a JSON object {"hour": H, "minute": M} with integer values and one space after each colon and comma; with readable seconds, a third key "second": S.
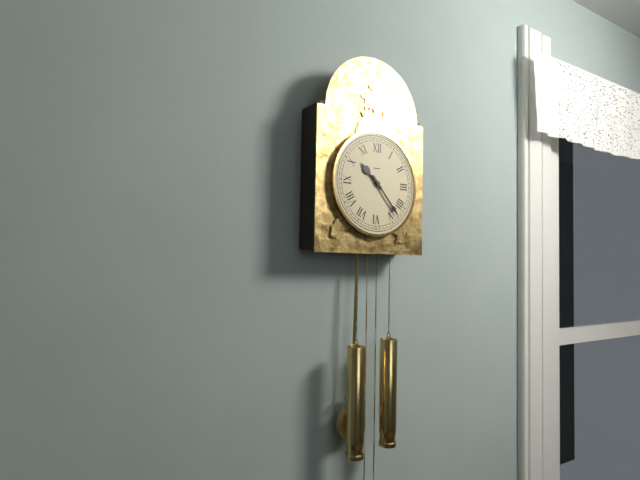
{"hour": 10, "minute": 23}
